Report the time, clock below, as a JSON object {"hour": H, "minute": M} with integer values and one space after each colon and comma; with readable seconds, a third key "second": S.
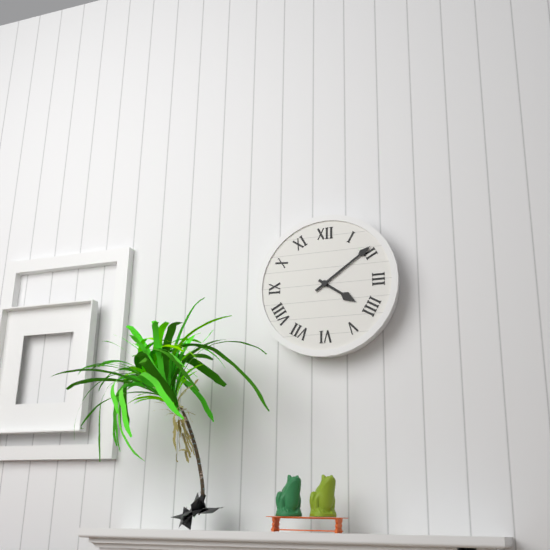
{"hour": 4, "minute": 9}
